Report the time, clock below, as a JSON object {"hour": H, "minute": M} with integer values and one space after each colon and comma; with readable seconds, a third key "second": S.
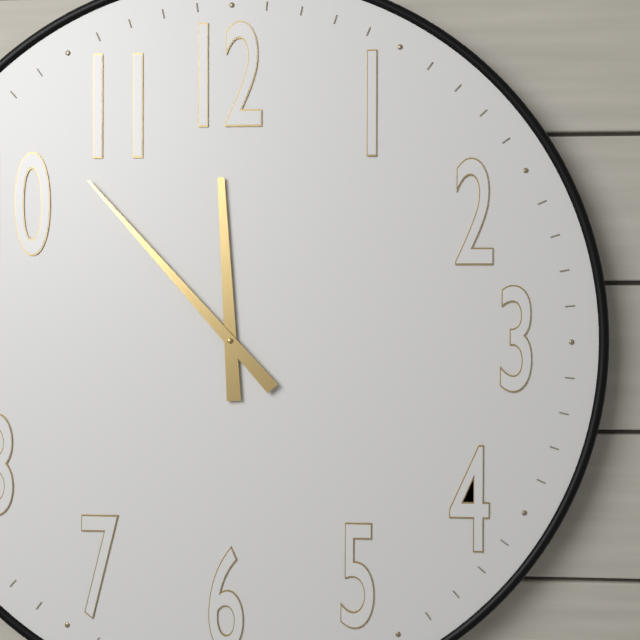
{"hour": 11, "minute": 53}
